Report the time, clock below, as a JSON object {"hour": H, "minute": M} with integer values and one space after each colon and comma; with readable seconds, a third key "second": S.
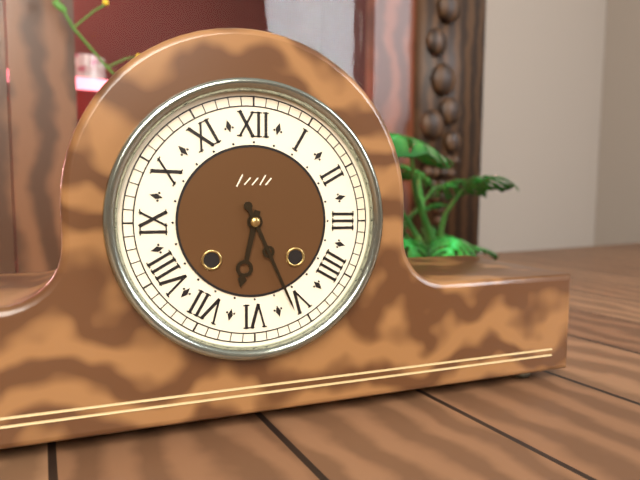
{"hour": 6, "minute": 26}
